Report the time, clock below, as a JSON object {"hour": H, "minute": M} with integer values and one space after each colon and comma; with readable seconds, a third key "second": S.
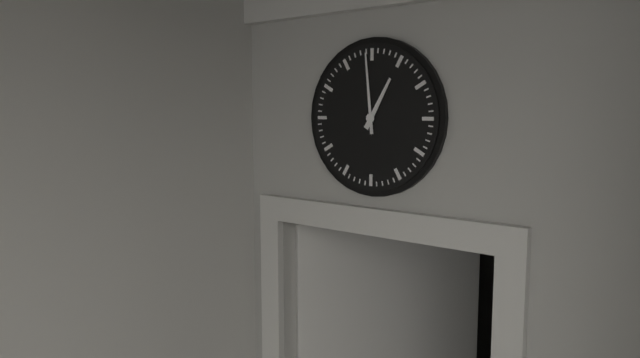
{"hour": 12, "minute": 59}
